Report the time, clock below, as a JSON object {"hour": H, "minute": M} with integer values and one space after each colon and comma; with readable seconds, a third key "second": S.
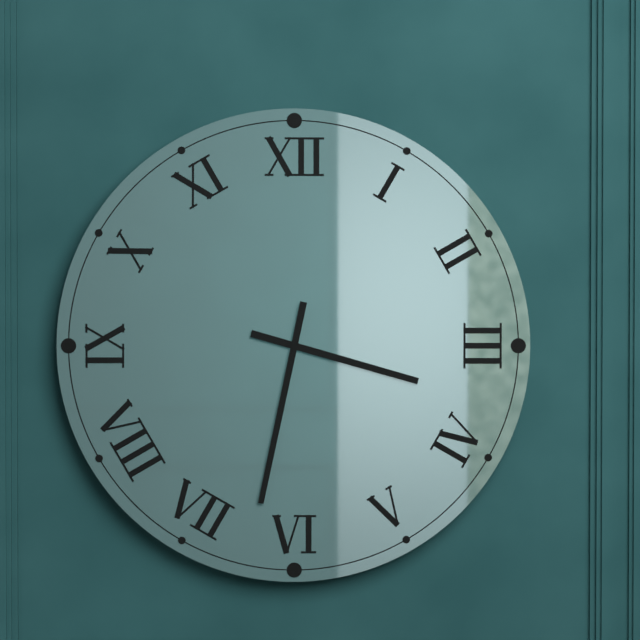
{"hour": 3, "minute": 32}
